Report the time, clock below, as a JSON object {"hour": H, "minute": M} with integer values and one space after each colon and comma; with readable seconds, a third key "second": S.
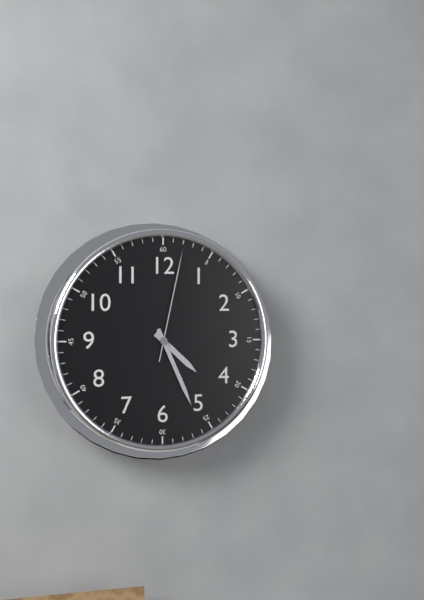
{"hour": 4, "minute": 26, "second": 2}
